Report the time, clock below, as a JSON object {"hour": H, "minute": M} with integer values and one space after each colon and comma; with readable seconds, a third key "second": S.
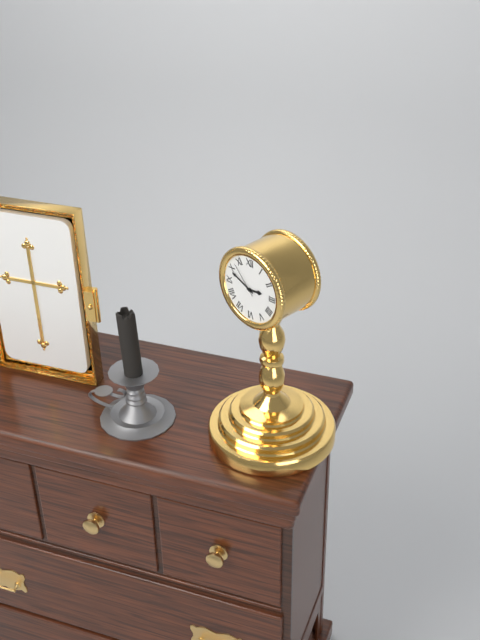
{"hour": 2, "minute": 49, "second": 53}
